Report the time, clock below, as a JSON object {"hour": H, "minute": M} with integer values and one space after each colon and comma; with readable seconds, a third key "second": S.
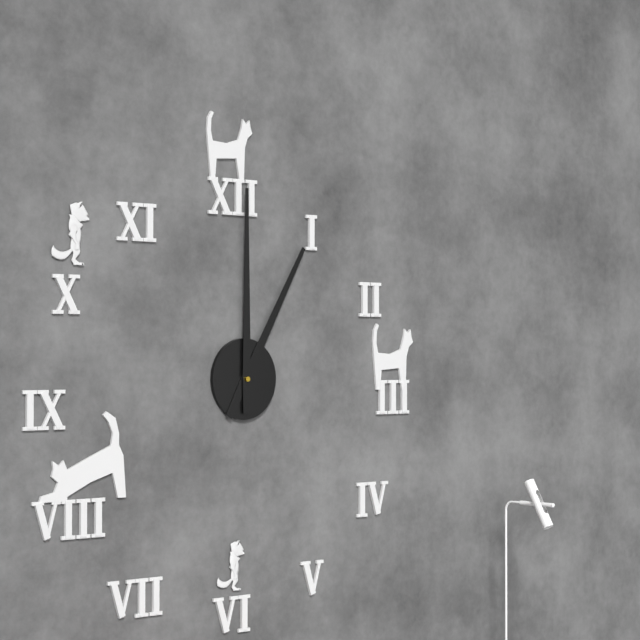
{"hour": 1, "minute": 0}
